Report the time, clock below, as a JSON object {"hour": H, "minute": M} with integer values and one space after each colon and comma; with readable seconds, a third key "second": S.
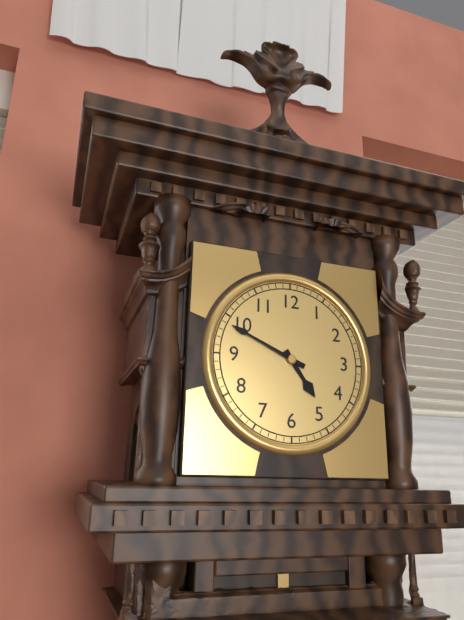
{"hour": 4, "minute": 49}
